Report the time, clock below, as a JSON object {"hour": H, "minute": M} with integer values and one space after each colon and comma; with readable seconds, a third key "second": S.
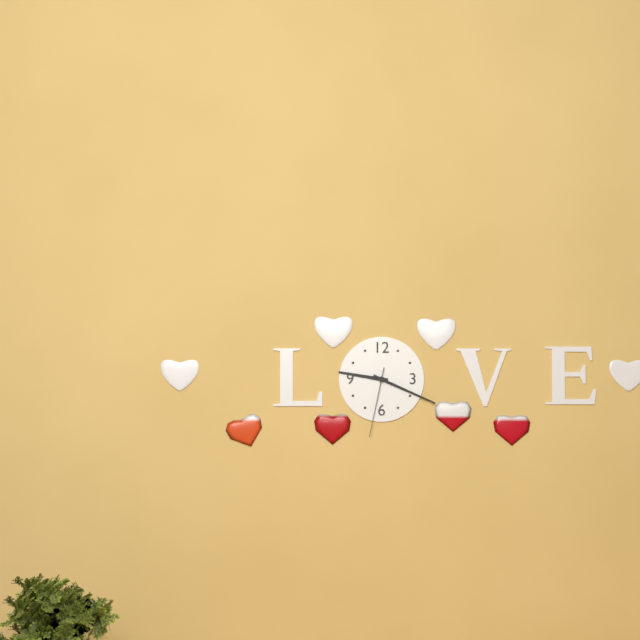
{"hour": 9, "minute": 19, "second": 32}
